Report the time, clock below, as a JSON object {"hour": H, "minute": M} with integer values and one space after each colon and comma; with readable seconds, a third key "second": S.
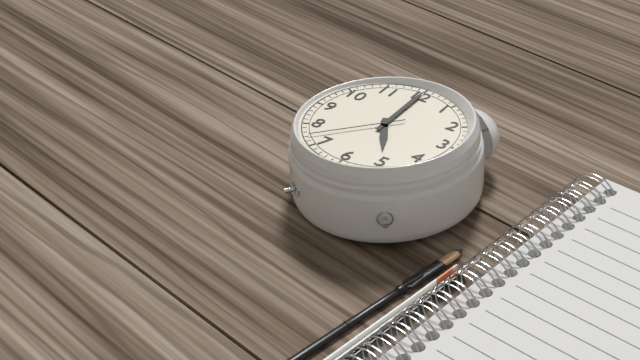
{"hour": 5, "minute": 0, "second": 37}
